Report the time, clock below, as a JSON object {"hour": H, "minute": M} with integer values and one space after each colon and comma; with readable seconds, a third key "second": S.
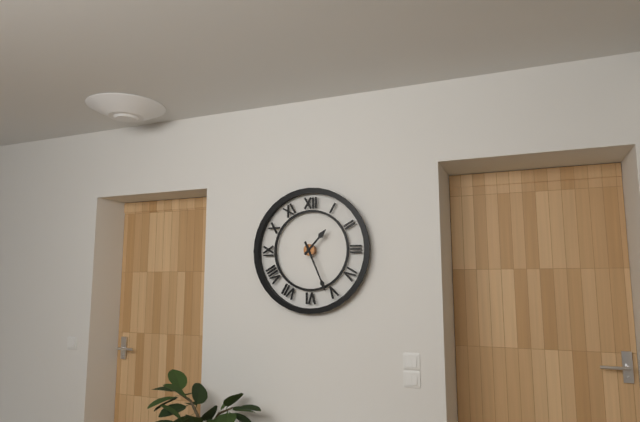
{"hour": 1, "minute": 26}
